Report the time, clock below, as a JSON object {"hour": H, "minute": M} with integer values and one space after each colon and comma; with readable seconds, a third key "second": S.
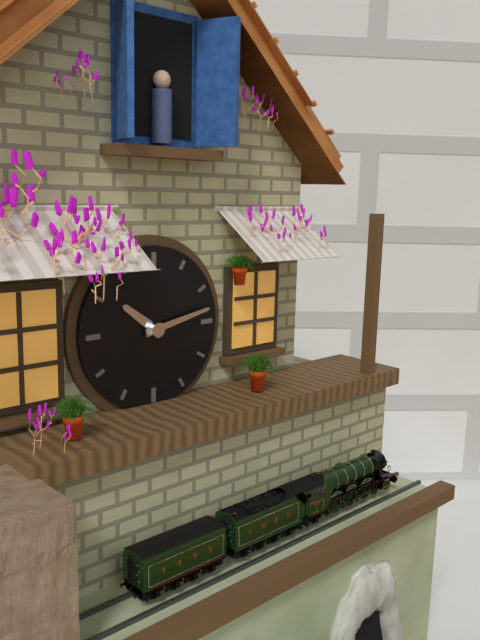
{"hour": 10, "minute": 13}
